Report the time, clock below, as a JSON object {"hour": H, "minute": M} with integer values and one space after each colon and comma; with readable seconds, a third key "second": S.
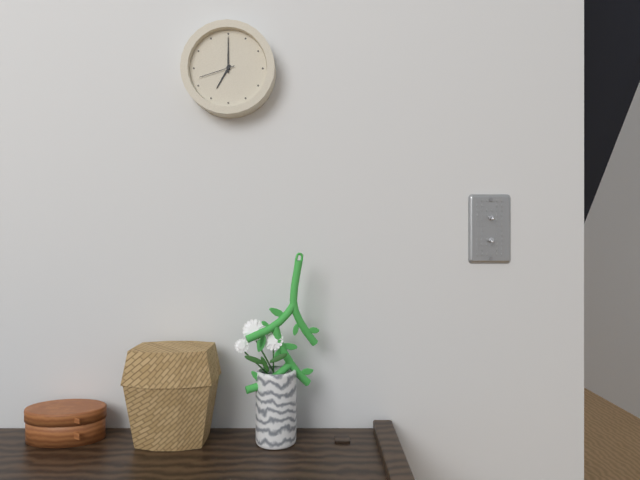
{"hour": 7, "minute": 0}
